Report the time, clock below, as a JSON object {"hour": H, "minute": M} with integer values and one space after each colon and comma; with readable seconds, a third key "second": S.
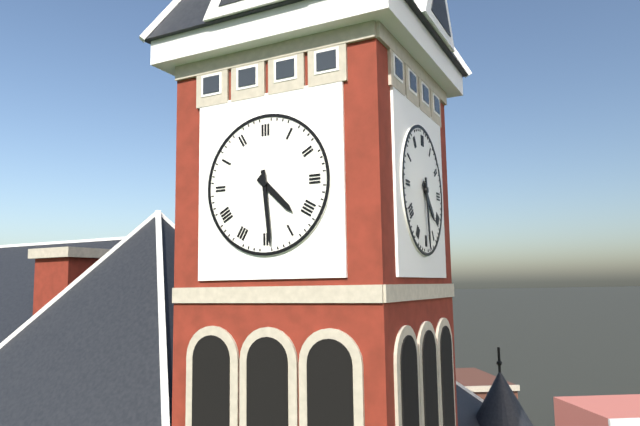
{"hour": 4, "minute": 29}
